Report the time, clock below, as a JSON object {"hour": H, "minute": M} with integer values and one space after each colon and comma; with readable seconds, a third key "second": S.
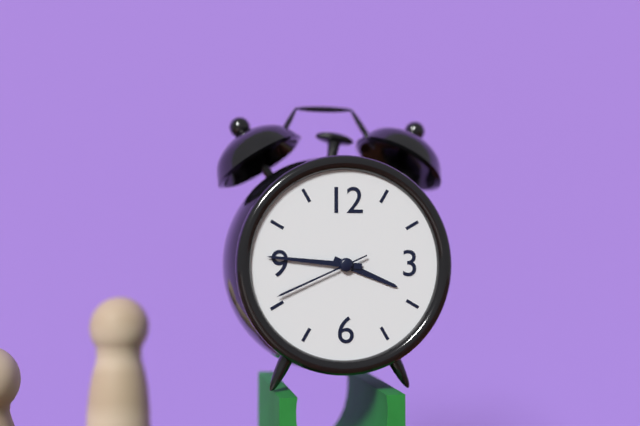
{"hour": 3, "minute": 46, "second": 41}
